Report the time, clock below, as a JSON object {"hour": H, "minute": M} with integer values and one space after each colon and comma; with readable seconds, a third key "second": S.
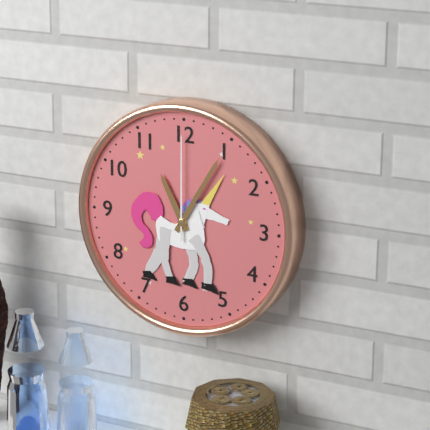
{"hour": 11, "minute": 5, "second": 0}
